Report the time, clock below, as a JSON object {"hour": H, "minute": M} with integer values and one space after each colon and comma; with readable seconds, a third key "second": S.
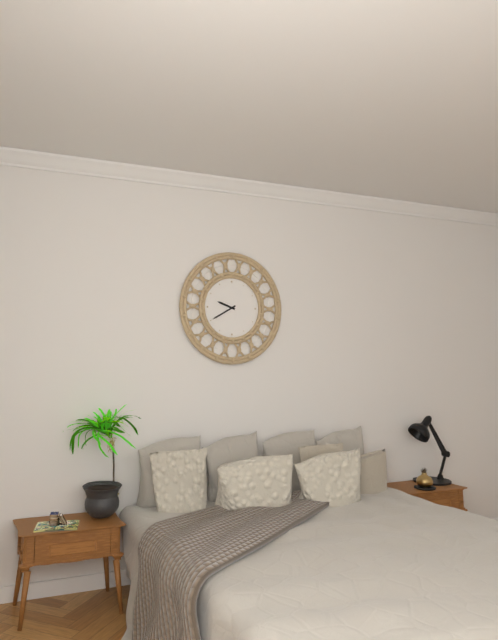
{"hour": 9, "minute": 40}
